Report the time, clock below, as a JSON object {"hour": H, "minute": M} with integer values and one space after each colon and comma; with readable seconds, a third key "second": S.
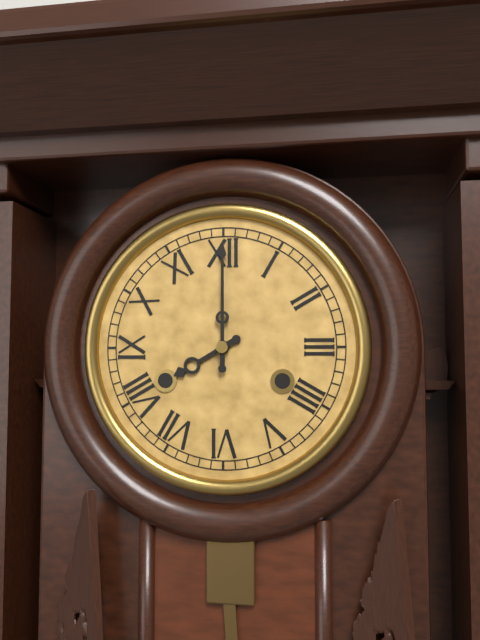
{"hour": 8, "minute": 0}
